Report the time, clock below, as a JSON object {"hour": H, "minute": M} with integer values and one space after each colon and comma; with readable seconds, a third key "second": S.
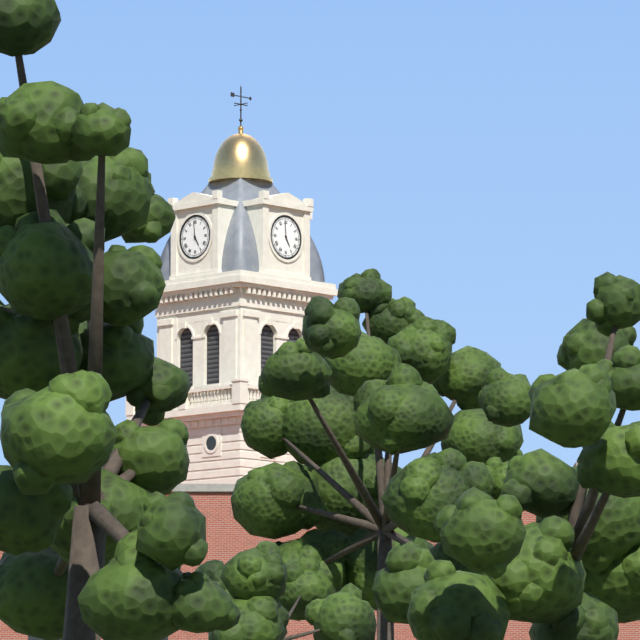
{"hour": 4, "minute": 59}
